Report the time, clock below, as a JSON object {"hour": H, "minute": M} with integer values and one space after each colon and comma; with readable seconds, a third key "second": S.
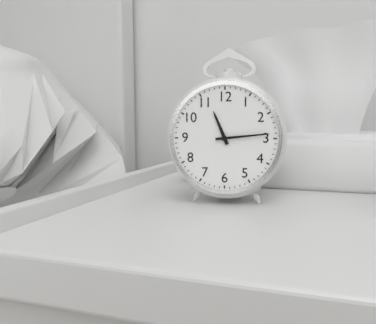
{"hour": 11, "minute": 14}
